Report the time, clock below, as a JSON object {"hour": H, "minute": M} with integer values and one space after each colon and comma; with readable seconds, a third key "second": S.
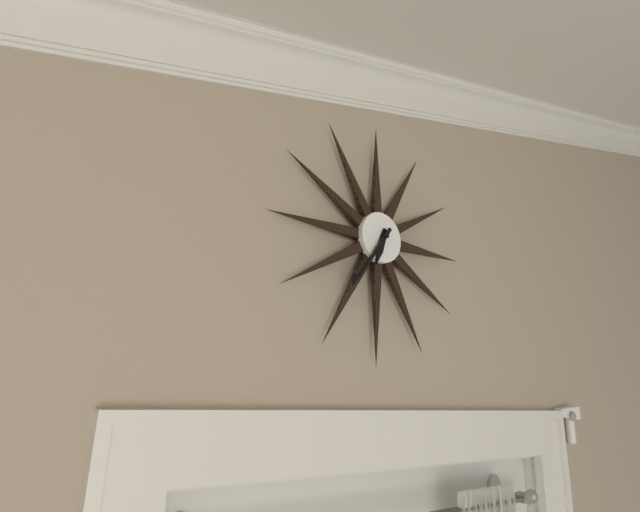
{"hour": 6, "minute": 36}
